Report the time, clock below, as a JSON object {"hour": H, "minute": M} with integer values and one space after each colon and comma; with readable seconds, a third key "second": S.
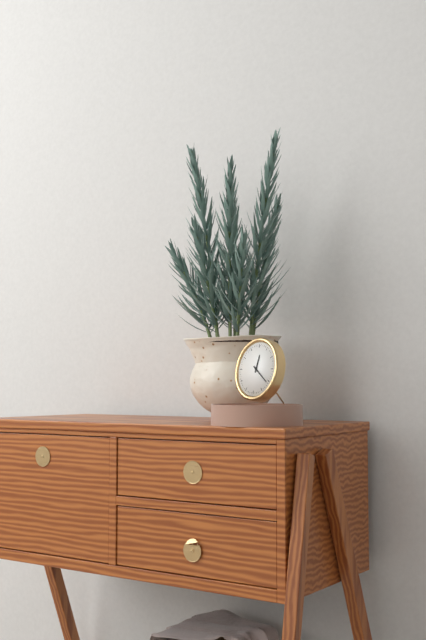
{"hour": 12, "minute": 21}
